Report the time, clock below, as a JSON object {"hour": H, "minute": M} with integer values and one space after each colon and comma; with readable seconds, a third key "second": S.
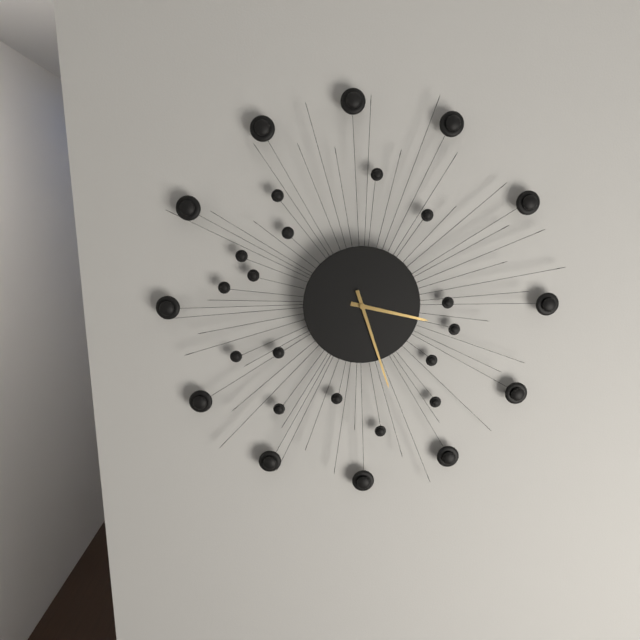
{"hour": 3, "minute": 27}
